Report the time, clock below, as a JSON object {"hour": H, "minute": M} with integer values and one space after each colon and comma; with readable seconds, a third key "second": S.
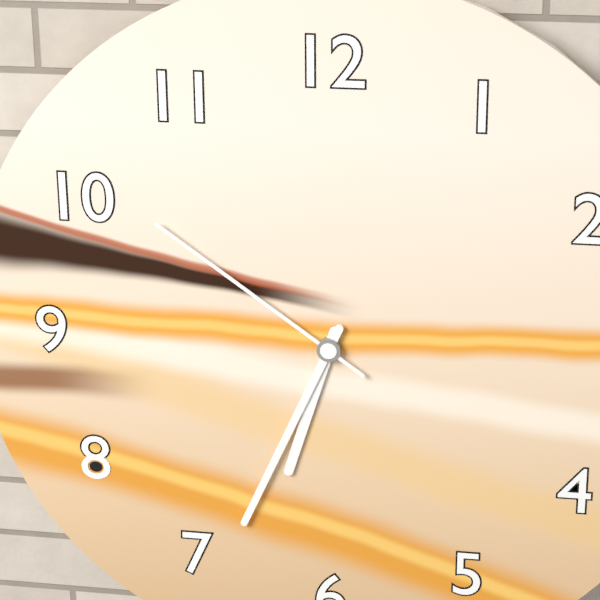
{"hour": 6, "minute": 34, "second": 51}
